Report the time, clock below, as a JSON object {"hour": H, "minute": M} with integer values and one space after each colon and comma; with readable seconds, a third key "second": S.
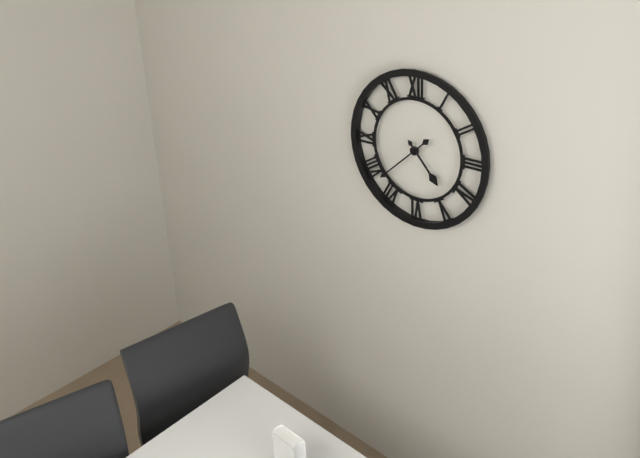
{"hour": 4, "minute": 38}
